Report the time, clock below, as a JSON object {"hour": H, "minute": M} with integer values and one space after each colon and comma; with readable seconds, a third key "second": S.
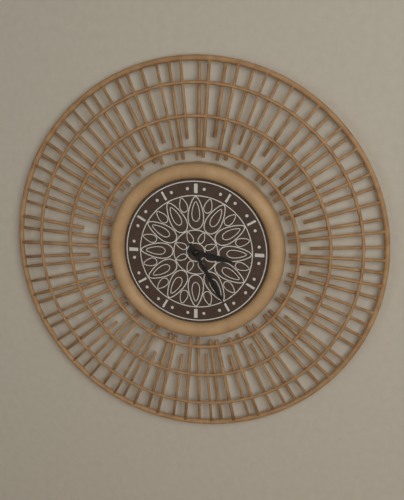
{"hour": 3, "minute": 25}
